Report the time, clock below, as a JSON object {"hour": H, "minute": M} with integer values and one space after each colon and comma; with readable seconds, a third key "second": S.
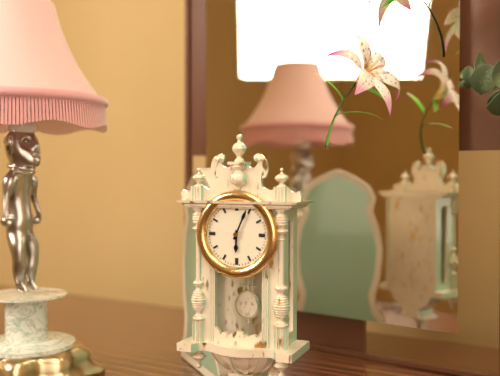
{"hour": 6, "minute": 4}
